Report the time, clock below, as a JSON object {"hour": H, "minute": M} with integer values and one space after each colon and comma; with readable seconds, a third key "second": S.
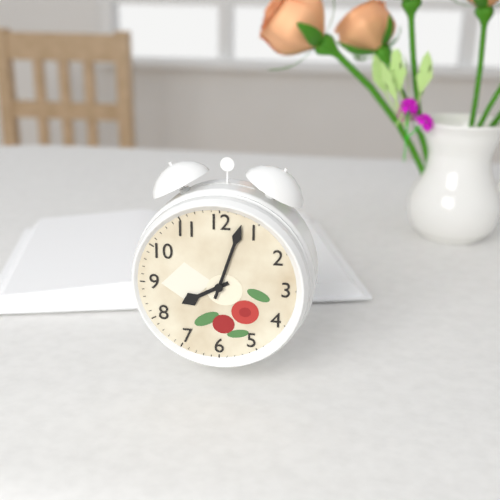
{"hour": 8, "minute": 3}
